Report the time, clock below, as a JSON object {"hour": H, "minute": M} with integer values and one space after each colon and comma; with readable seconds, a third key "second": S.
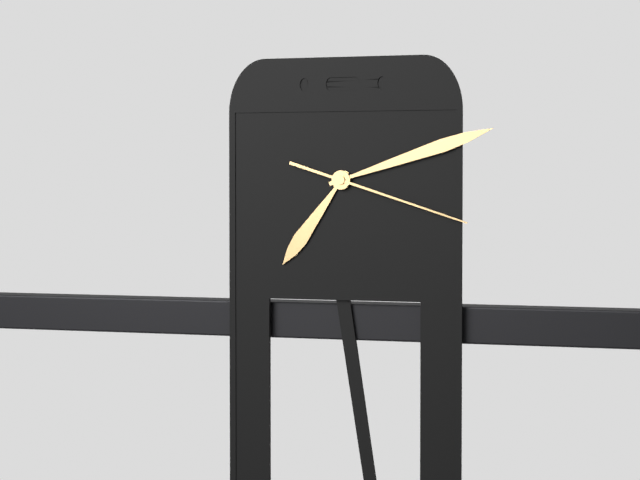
{"hour": 7, "minute": 12, "second": 18}
